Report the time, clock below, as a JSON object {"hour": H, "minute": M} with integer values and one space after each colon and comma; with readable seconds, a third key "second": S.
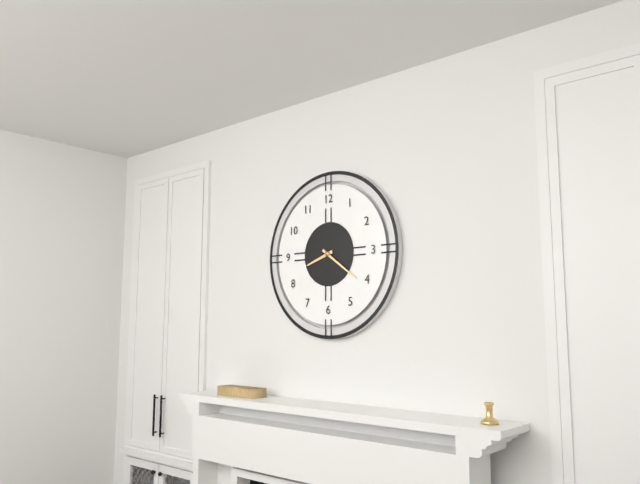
{"hour": 8, "minute": 21}
